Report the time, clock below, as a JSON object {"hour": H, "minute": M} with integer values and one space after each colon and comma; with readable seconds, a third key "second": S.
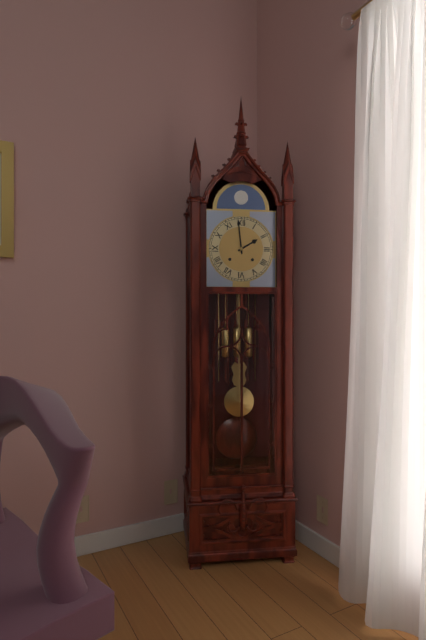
{"hour": 1, "minute": 59}
